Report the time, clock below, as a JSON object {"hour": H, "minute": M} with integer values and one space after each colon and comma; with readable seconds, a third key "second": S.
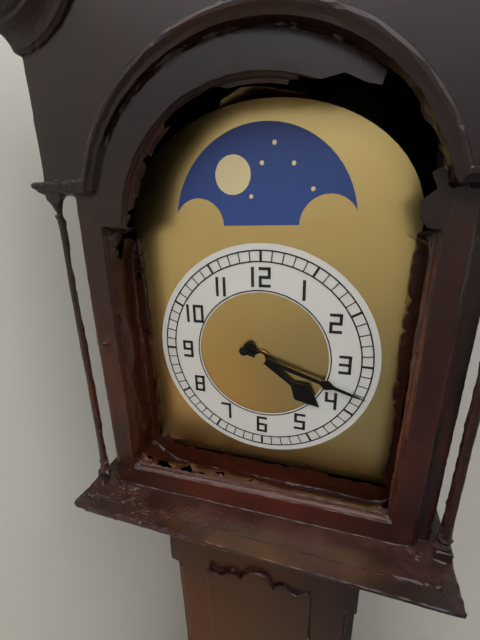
{"hour": 4, "minute": 18}
